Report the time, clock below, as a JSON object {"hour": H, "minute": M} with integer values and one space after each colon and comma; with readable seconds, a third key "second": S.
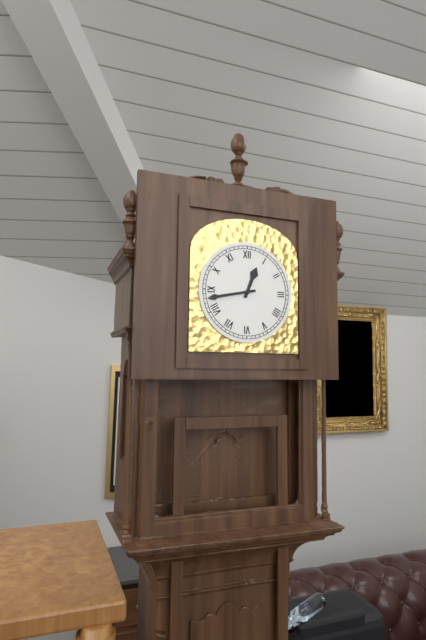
{"hour": 12, "minute": 43}
